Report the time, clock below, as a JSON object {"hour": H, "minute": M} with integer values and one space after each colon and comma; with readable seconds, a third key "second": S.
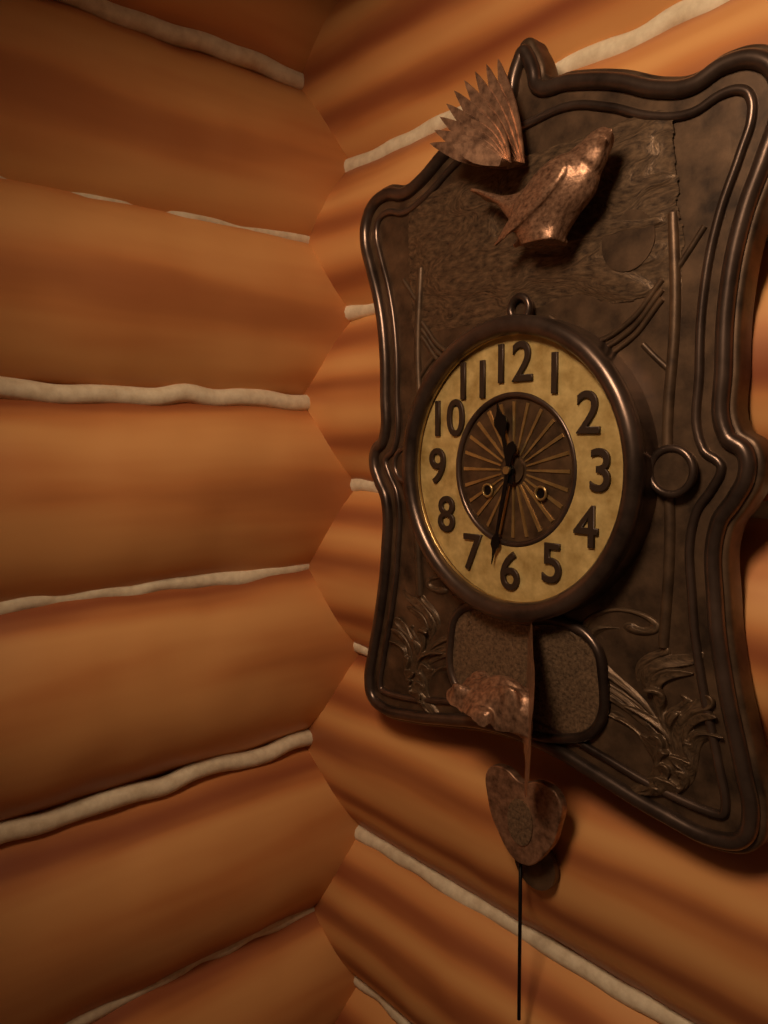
{"hour": 11, "minute": 32}
